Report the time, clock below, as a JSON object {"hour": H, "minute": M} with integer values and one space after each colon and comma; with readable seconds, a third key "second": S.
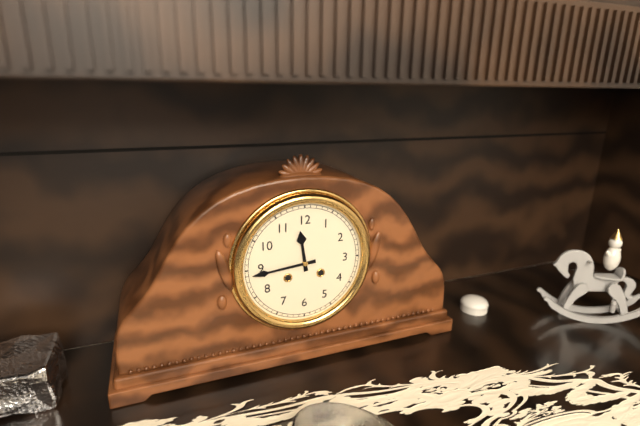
{"hour": 11, "minute": 44}
